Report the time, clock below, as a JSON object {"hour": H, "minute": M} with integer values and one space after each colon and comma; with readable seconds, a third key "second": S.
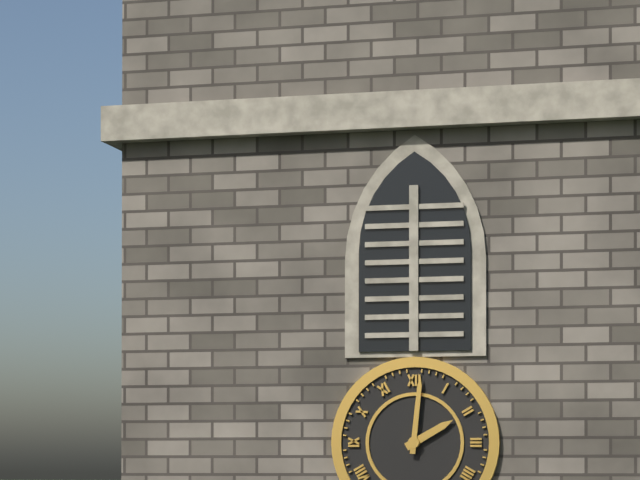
{"hour": 2, "minute": 1}
